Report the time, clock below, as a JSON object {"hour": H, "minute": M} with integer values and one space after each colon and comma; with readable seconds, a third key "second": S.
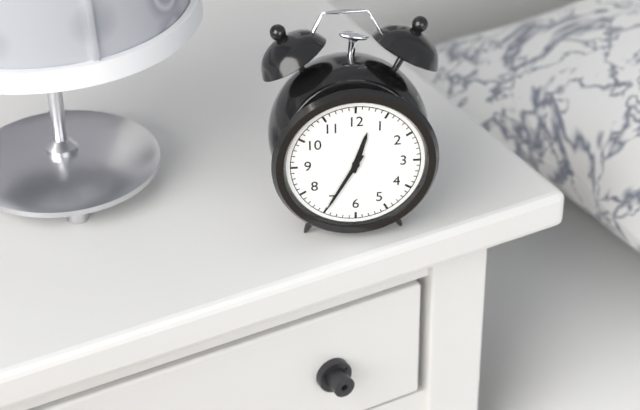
{"hour": 12, "minute": 35}
